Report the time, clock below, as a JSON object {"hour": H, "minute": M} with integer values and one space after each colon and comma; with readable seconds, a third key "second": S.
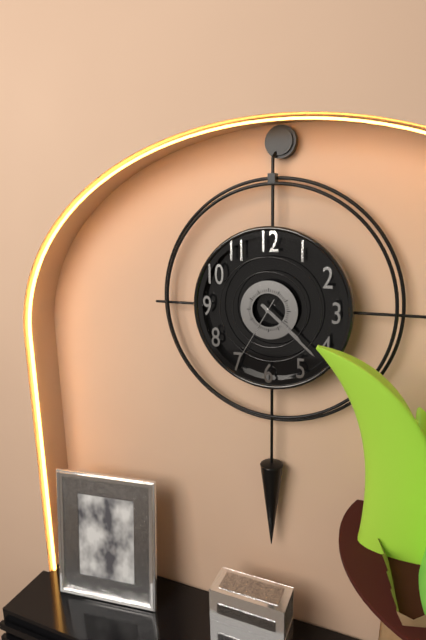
{"hour": 4, "minute": 22, "second": 35}
